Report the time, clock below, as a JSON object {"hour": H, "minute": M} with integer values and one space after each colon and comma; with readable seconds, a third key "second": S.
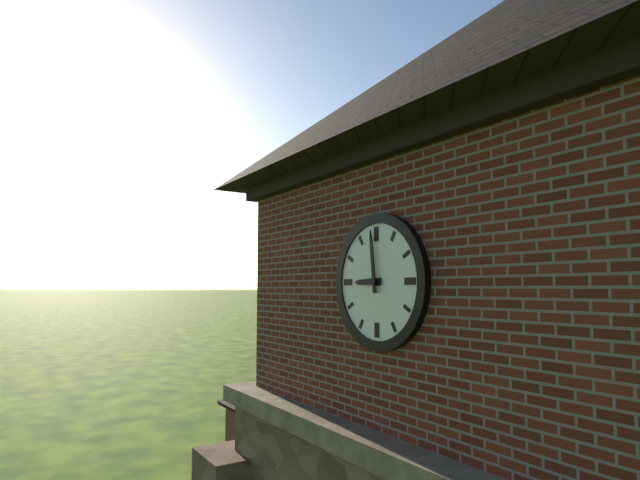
{"hour": 8, "minute": 59}
